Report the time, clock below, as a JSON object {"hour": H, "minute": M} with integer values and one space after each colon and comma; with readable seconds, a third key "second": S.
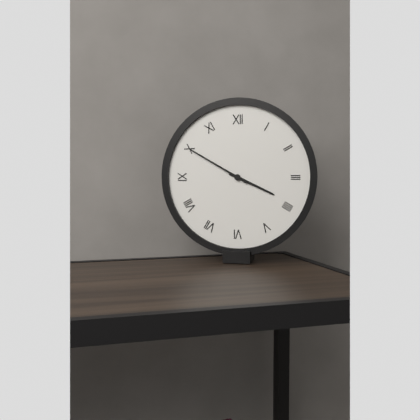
{"hour": 3, "minute": 50}
